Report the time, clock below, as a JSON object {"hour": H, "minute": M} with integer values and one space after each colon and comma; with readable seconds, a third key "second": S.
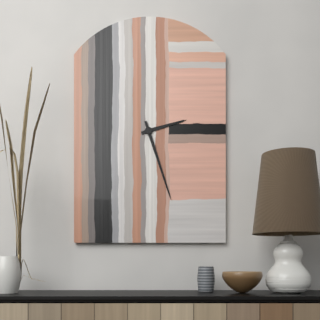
{"hour": 2, "minute": 27}
